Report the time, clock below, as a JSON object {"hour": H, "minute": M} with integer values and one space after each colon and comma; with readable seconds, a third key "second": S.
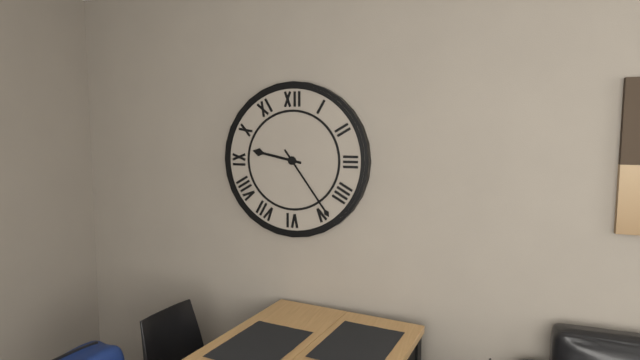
{"hour": 9, "minute": 24}
